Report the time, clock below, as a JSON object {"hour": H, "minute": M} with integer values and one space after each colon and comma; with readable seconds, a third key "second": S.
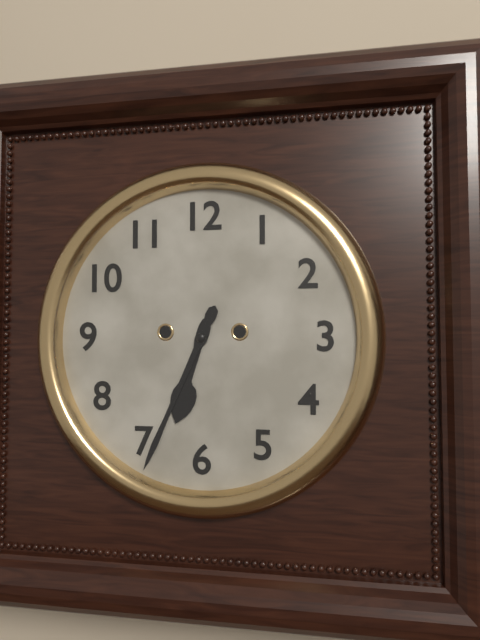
{"hour": 6, "minute": 34}
